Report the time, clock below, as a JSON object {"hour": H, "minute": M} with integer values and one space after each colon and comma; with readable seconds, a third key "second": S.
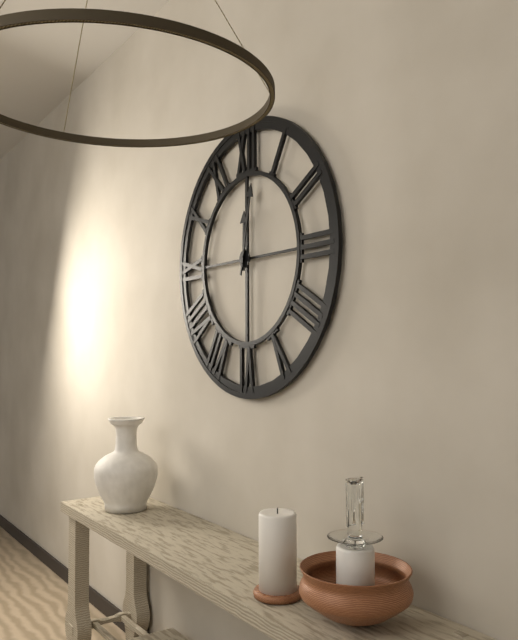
{"hour": 12, "minute": 2}
